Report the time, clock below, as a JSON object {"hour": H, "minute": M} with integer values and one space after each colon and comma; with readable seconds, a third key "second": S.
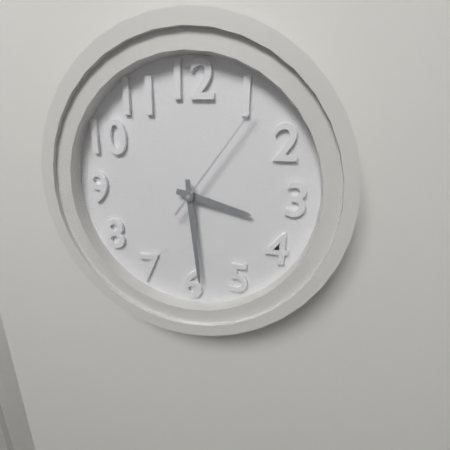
{"hour": 3, "minute": 29, "second": 6}
